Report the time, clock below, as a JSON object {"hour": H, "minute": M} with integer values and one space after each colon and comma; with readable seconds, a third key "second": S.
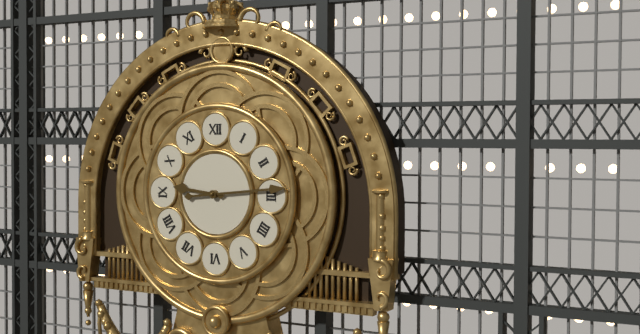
{"hour": 9, "minute": 14}
